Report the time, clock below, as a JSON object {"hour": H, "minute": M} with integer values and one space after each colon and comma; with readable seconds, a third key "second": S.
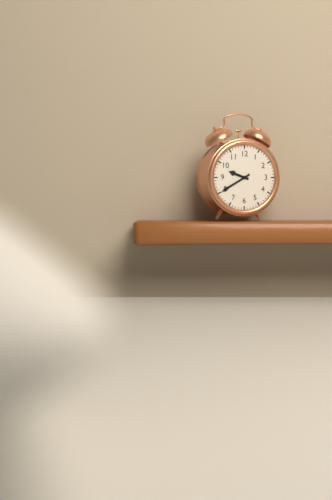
{"hour": 9, "minute": 40}
